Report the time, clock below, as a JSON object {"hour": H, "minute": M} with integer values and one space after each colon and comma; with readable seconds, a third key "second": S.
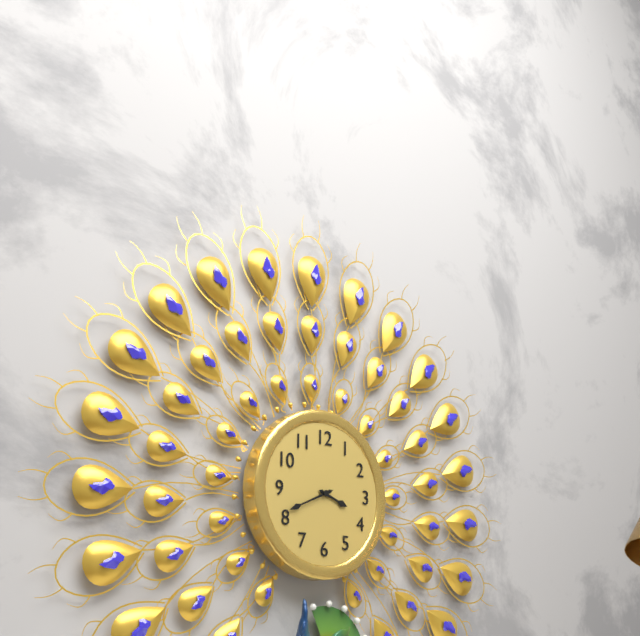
{"hour": 3, "minute": 41}
